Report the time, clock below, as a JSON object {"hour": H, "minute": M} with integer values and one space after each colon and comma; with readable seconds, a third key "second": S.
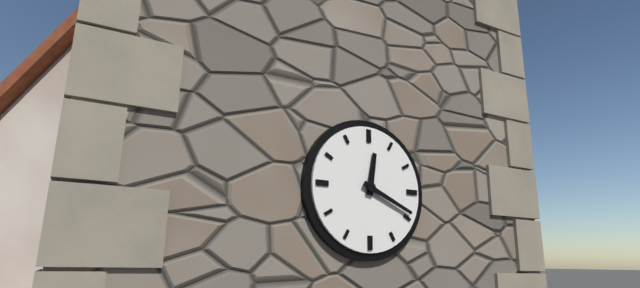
{"hour": 12, "minute": 19}
